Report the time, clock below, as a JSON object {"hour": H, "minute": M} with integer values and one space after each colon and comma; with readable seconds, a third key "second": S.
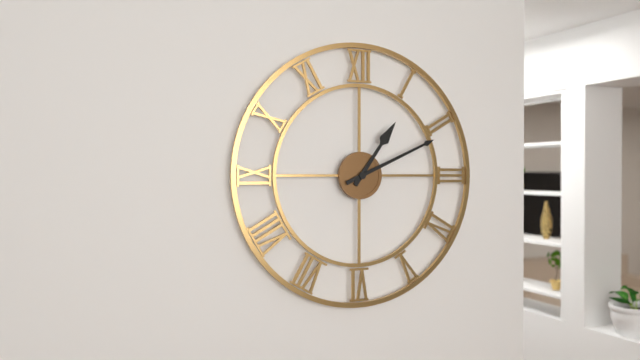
{"hour": 1, "minute": 11}
